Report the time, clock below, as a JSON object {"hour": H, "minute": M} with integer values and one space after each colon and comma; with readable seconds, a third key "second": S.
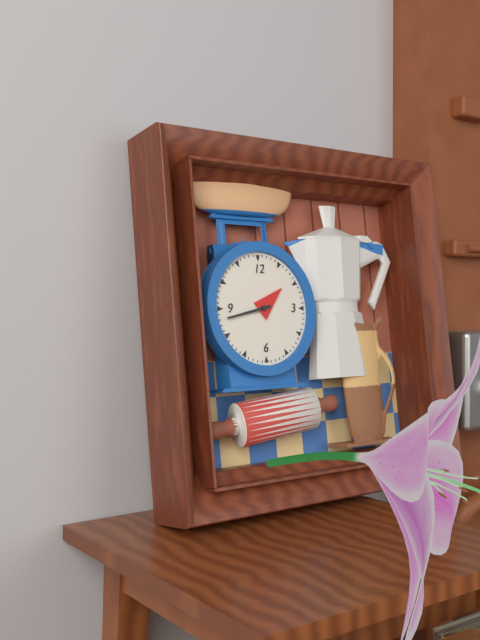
{"hour": 1, "minute": 43}
